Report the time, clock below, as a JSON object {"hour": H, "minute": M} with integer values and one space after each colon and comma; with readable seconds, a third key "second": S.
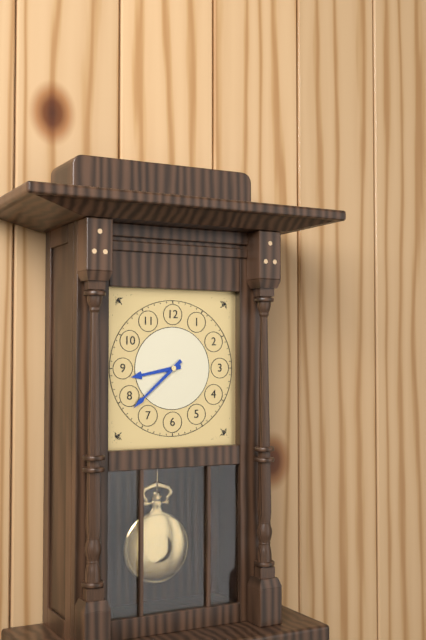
{"hour": 8, "minute": 38}
